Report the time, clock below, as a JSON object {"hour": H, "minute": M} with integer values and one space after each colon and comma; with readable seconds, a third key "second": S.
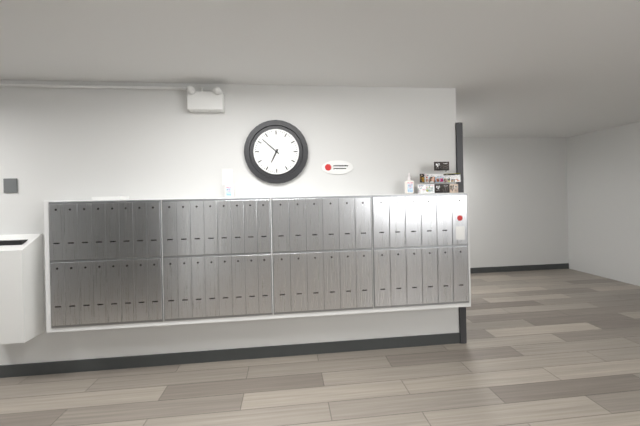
{"hour": 6, "minute": 52}
